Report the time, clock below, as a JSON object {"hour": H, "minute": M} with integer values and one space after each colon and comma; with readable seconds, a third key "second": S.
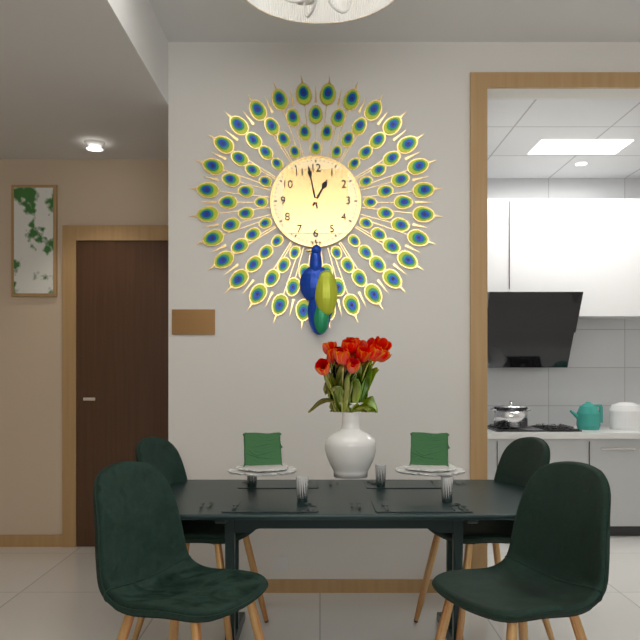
{"hour": 12, "minute": 58}
